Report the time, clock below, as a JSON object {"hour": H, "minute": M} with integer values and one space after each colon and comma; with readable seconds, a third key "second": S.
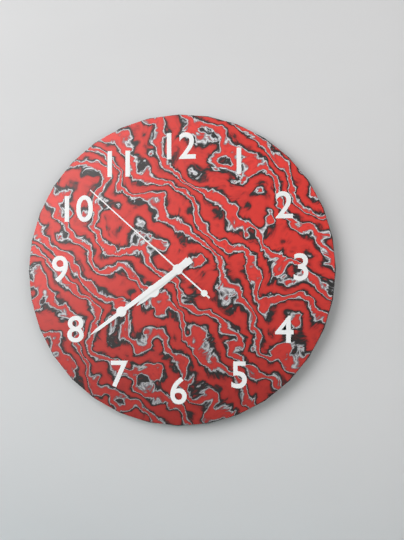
{"hour": 7, "minute": 39, "second": 52}
